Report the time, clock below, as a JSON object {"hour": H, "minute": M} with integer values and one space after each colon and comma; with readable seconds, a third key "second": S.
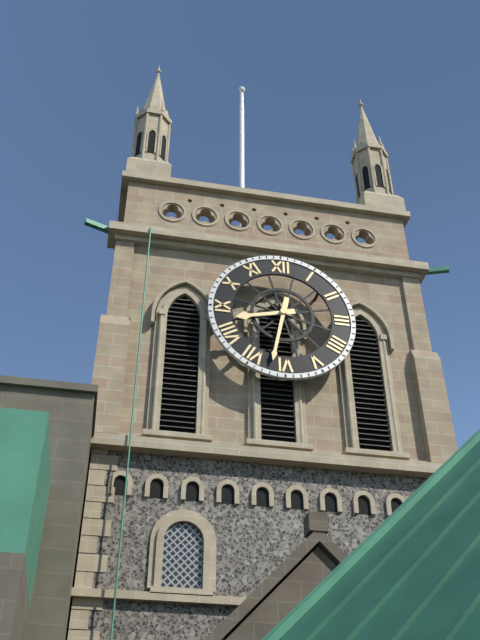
{"hour": 8, "minute": 32}
